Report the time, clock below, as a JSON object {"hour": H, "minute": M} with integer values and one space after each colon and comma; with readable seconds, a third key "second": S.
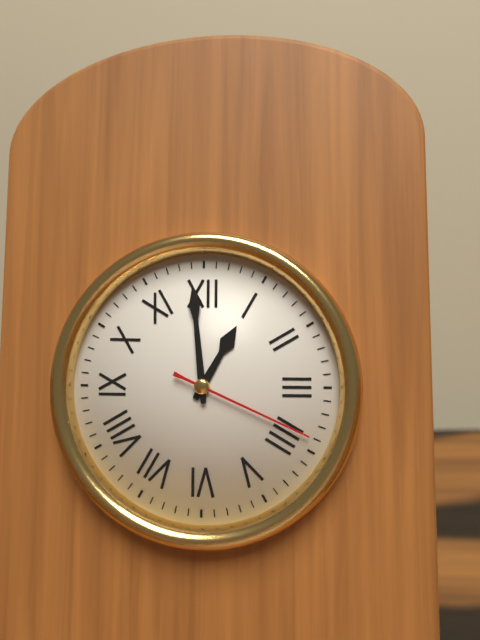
{"hour": 12, "minute": 59, "second": 19}
